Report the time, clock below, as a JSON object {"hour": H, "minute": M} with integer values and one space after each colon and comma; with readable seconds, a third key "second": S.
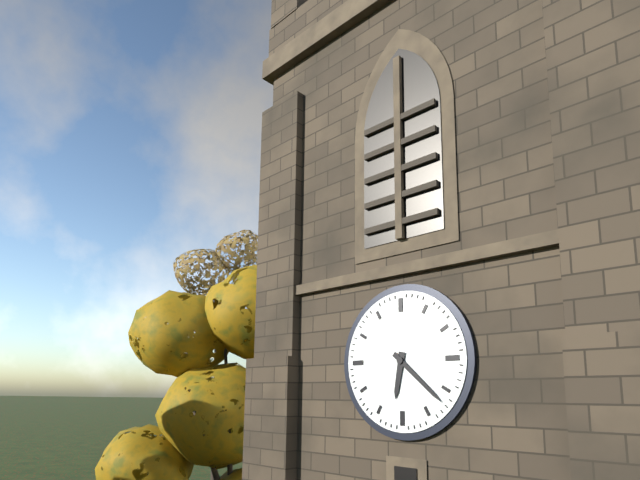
{"hour": 6, "minute": 22}
